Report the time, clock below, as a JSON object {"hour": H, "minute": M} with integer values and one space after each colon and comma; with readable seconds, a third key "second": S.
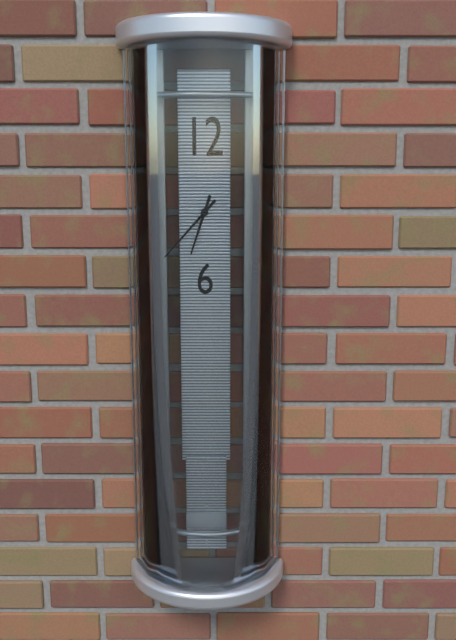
{"hour": 6, "minute": 37}
